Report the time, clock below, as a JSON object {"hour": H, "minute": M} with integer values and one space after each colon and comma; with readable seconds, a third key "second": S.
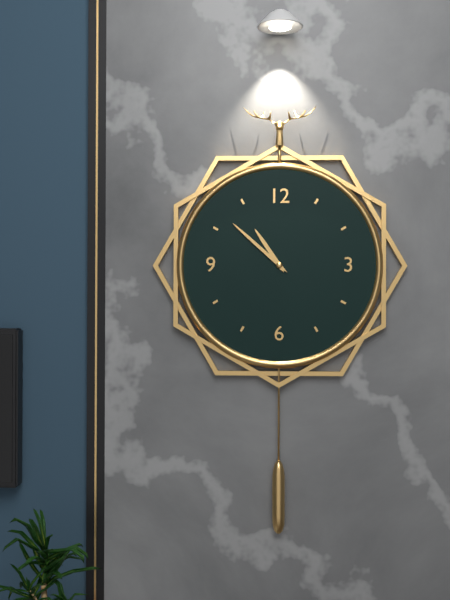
{"hour": 10, "minute": 52}
